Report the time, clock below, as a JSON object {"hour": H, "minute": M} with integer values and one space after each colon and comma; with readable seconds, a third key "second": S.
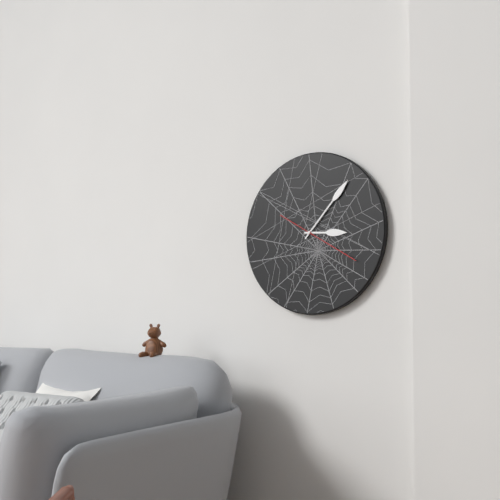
{"hour": 3, "minute": 7, "second": 20}
